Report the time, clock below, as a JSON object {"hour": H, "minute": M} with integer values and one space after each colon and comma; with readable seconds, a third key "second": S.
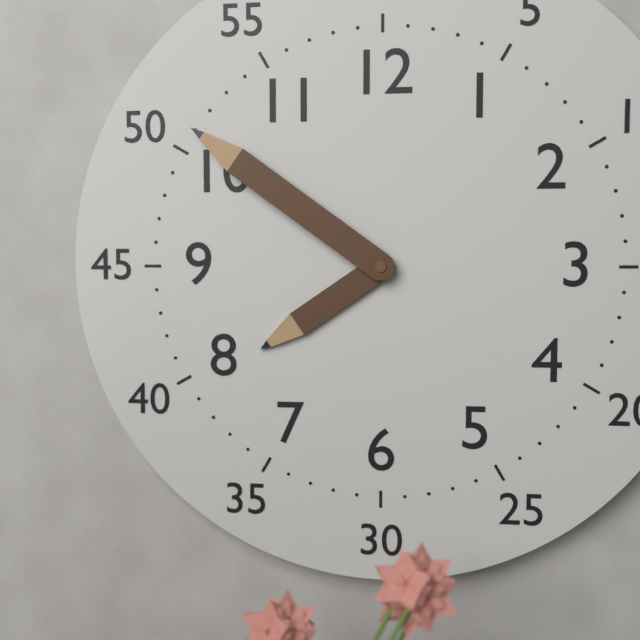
{"hour": 7, "minute": 51}
